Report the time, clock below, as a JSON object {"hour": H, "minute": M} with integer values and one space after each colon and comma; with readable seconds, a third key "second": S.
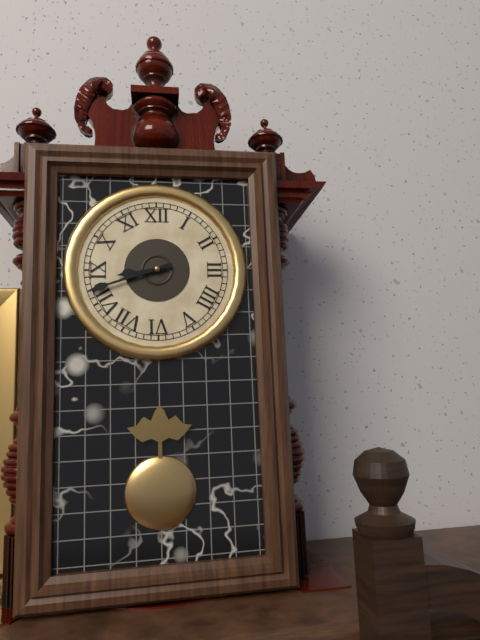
{"hour": 8, "minute": 42}
